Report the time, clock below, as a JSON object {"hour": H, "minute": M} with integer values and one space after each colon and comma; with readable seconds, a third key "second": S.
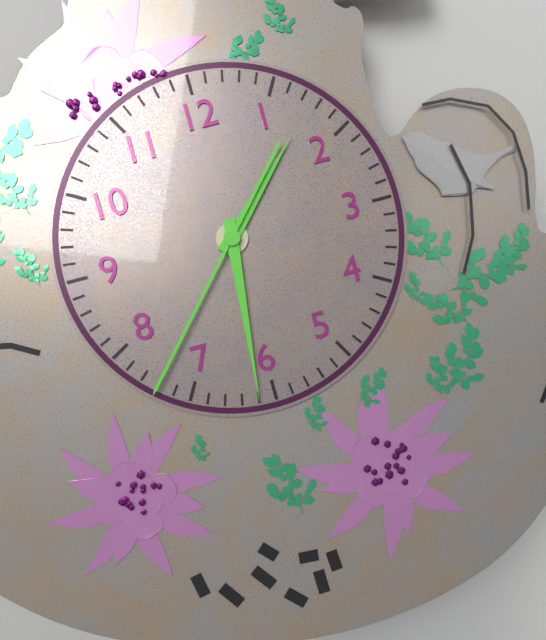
{"hour": 1, "minute": 31, "second": 37}
